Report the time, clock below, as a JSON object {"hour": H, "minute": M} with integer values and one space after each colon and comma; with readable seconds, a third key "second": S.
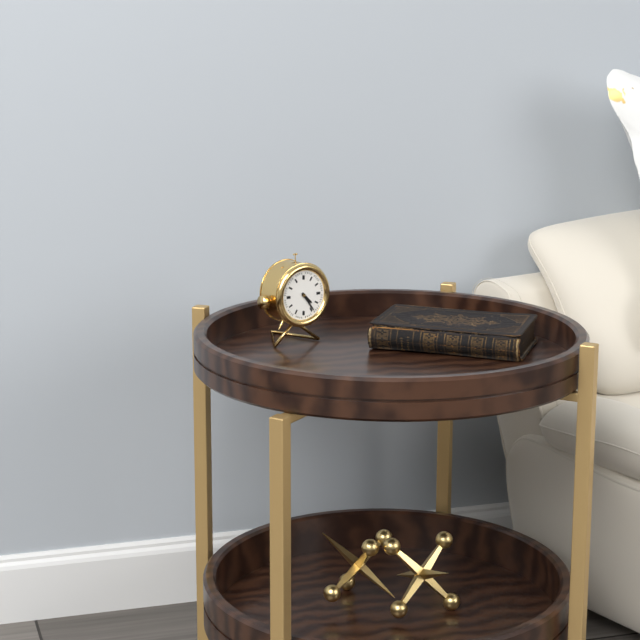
{"hour": 4, "minute": 24}
